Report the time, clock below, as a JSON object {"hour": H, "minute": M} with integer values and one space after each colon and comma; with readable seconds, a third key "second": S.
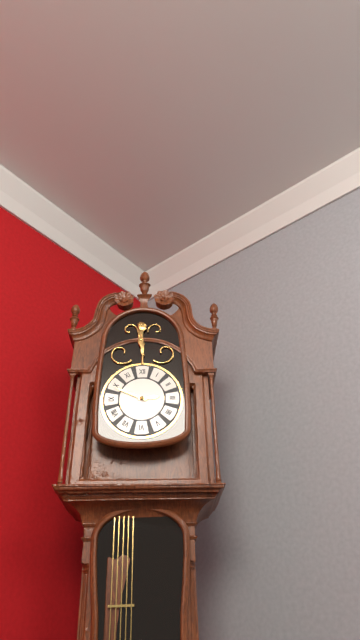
{"hour": 2, "minute": 49}
